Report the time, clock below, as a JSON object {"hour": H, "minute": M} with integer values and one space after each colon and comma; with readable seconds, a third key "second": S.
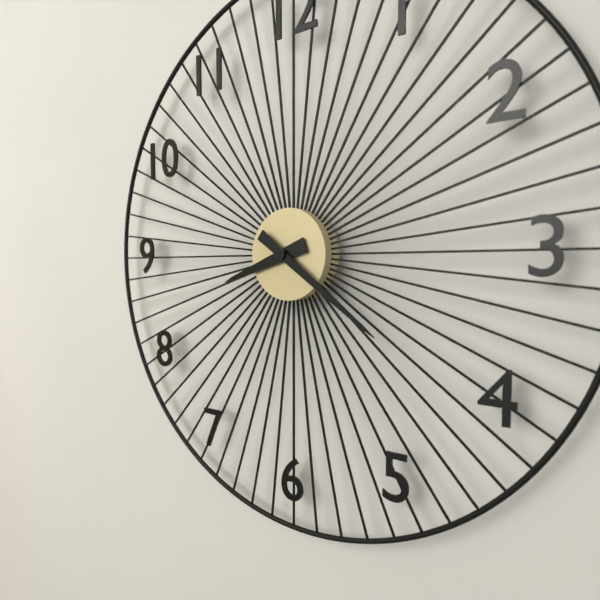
{"hour": 8, "minute": 21}
